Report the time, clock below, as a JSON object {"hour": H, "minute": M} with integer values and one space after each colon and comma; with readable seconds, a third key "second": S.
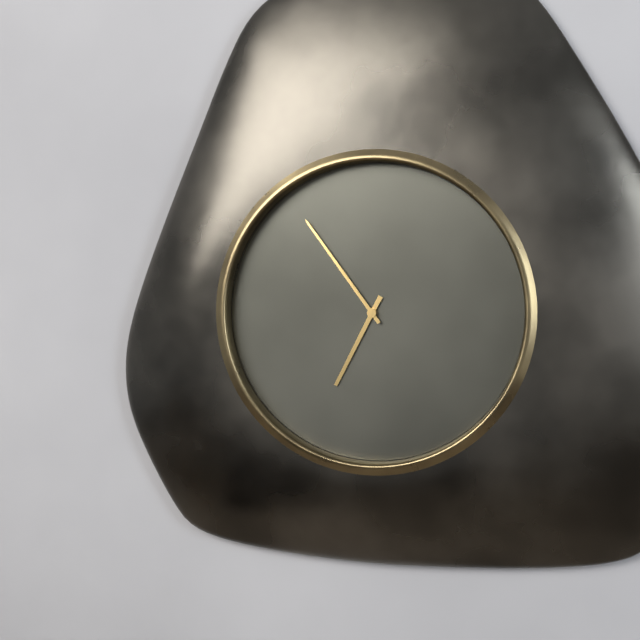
{"hour": 6, "minute": 54}
